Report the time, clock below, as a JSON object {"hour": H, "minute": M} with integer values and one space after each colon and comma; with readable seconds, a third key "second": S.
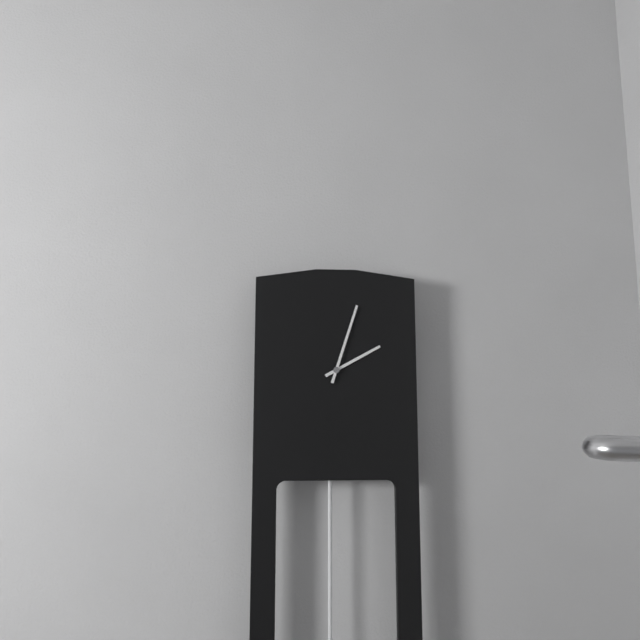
{"hour": 2, "minute": 3}
